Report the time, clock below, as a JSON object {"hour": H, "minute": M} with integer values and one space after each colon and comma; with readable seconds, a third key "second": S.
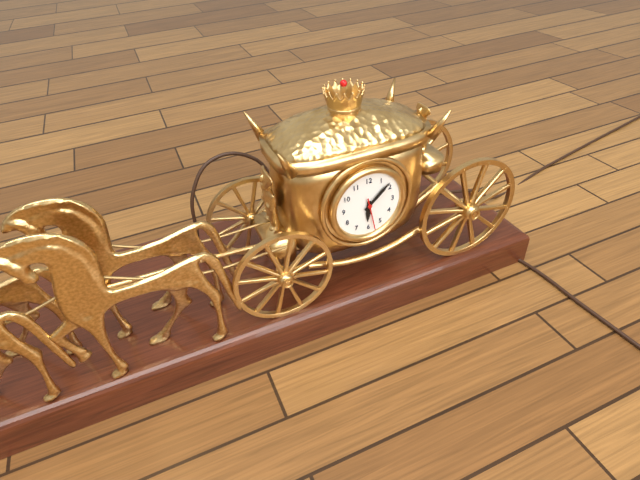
{"hour": 6, "minute": 8}
